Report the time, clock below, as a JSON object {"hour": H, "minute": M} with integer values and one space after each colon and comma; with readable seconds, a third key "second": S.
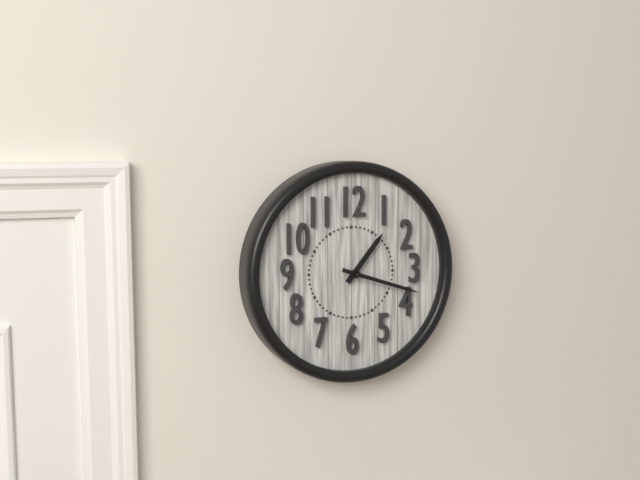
{"hour": 1, "minute": 18}
